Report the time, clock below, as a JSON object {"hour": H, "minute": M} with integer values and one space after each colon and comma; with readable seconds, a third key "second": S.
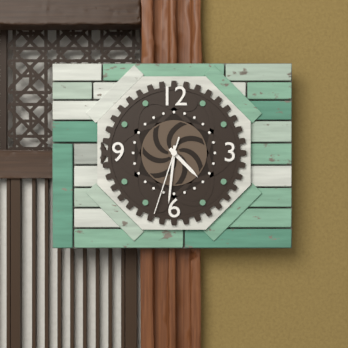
{"hour": 4, "minute": 31, "second": 33}
